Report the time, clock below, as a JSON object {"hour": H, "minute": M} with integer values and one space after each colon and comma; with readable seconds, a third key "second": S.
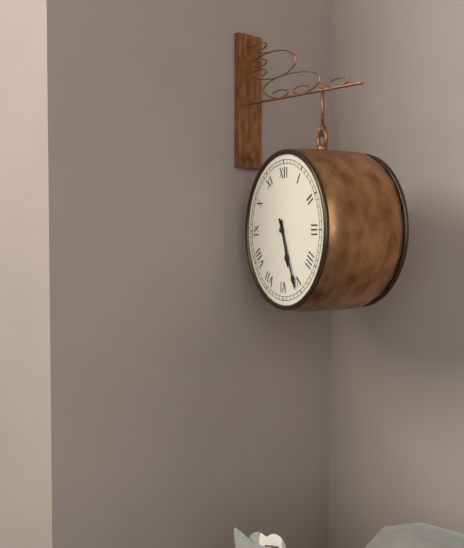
{"hour": 5, "minute": 26}
